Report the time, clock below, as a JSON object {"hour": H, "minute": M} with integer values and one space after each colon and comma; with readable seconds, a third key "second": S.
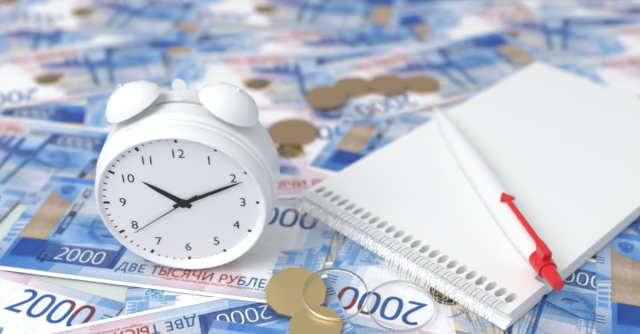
{"hour": 10, "minute": 11, "second": 39}
